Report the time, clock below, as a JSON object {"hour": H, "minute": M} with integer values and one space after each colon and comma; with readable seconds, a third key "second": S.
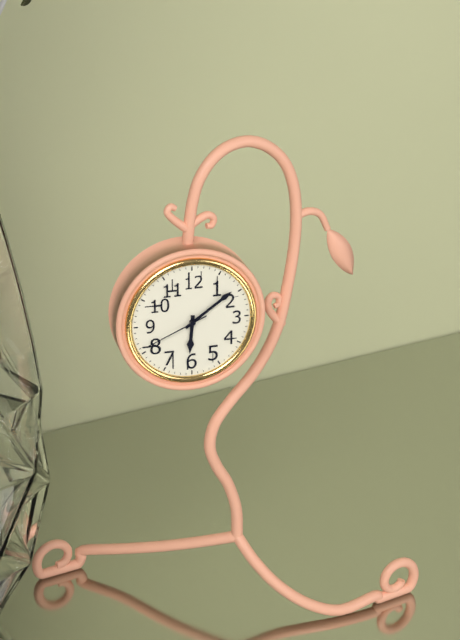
{"hour": 6, "minute": 9, "second": 41}
